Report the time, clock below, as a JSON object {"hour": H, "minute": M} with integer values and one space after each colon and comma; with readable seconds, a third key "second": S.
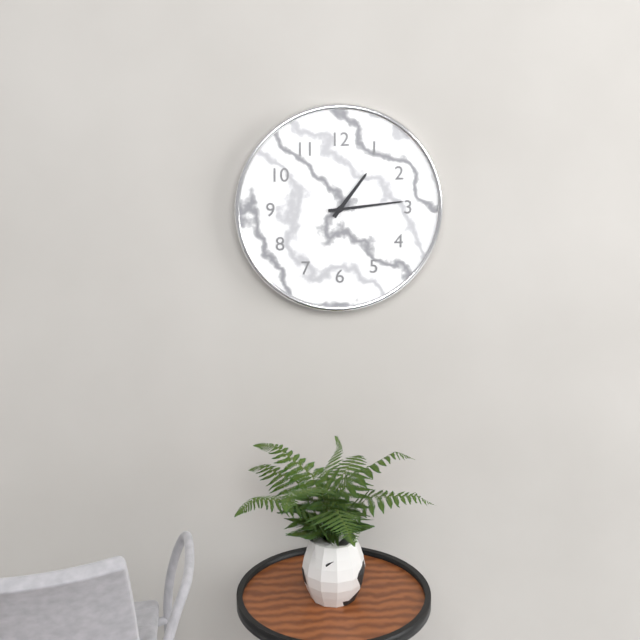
{"hour": 1, "minute": 14}
